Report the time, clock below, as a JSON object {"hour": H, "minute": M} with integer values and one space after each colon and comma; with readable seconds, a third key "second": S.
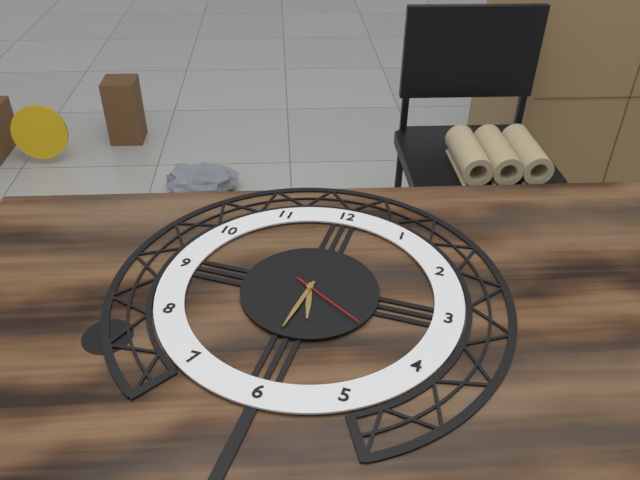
{"hour": 5, "minute": 31, "second": 20}
